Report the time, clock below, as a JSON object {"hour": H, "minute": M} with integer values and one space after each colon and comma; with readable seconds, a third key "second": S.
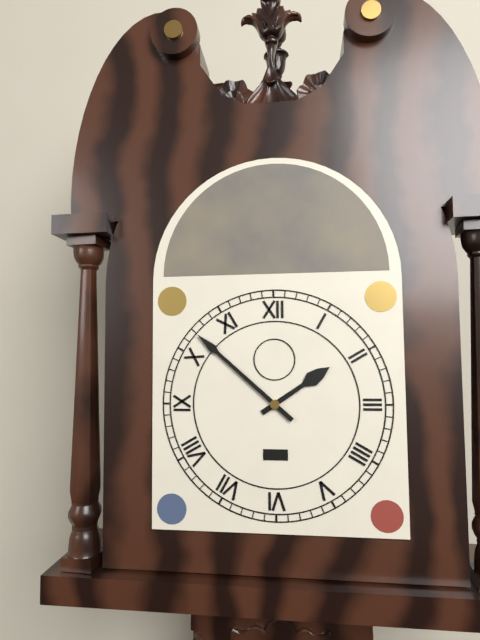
{"hour": 1, "minute": 52}
